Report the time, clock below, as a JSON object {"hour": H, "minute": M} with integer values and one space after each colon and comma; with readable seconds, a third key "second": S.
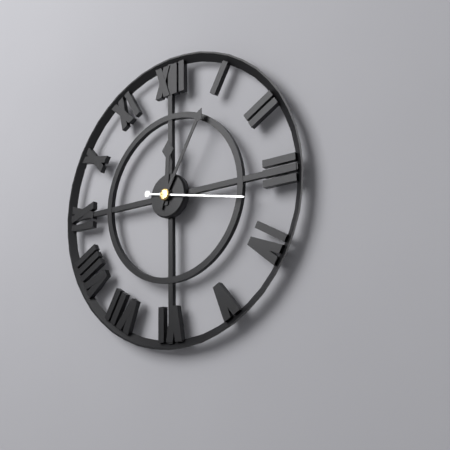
{"hour": 12, "minute": 5, "second": 17}
